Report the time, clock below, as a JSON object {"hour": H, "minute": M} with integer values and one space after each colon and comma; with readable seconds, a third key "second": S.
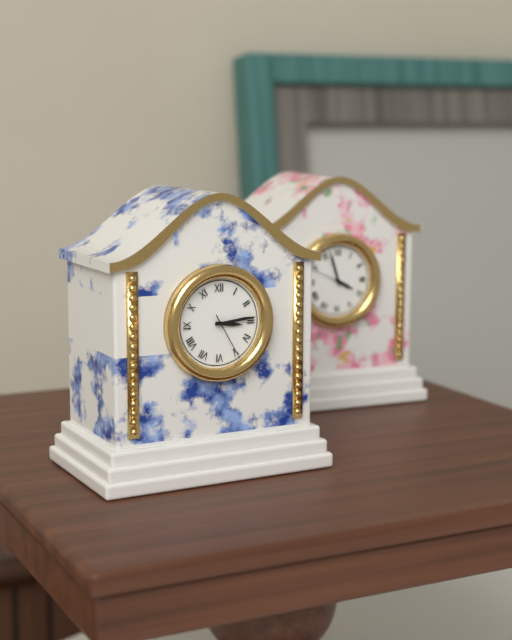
{"hour": 3, "minute": 14, "second": 25}
